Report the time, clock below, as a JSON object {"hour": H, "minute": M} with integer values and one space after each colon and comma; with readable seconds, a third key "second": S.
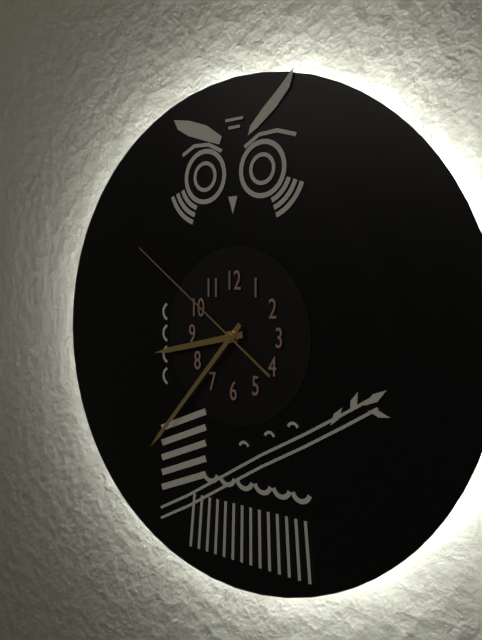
{"hour": 8, "minute": 37, "second": 51}
